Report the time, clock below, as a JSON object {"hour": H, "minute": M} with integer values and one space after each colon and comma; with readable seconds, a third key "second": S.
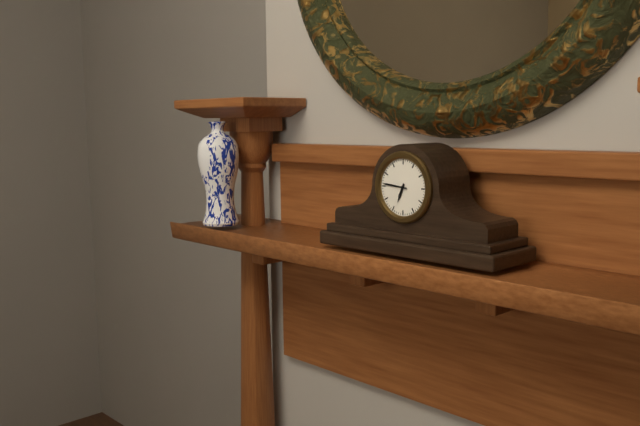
{"hour": 6, "minute": 46}
